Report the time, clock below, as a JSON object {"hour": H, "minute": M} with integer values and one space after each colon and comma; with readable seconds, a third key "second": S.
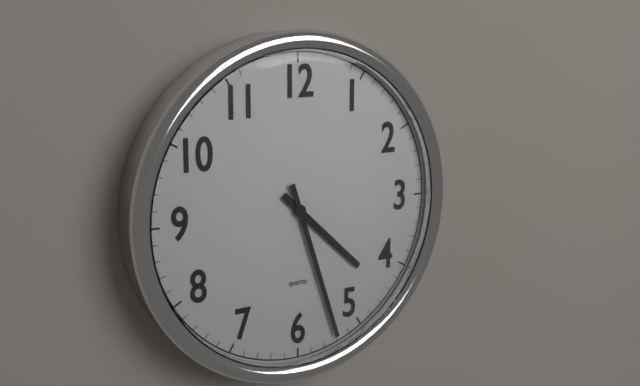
{"hour": 4, "minute": 27}
